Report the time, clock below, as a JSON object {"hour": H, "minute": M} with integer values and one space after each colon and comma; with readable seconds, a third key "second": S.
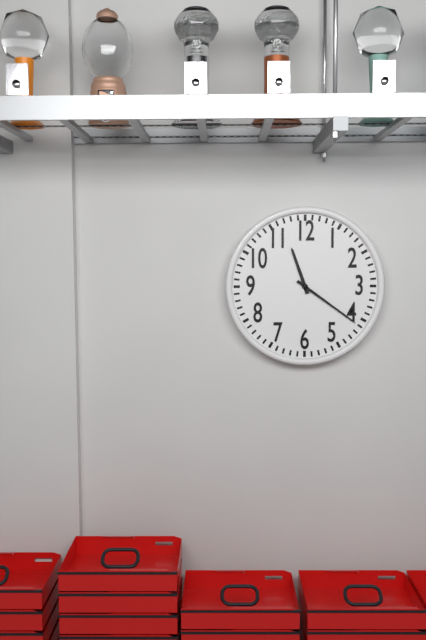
{"hour": 11, "minute": 21}
